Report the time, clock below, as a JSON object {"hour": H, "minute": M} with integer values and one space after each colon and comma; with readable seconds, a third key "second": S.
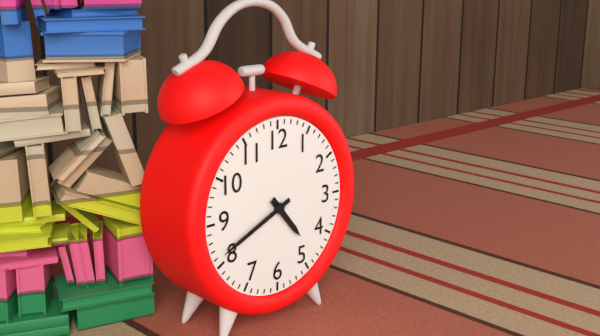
{"hour": 4, "minute": 41}
